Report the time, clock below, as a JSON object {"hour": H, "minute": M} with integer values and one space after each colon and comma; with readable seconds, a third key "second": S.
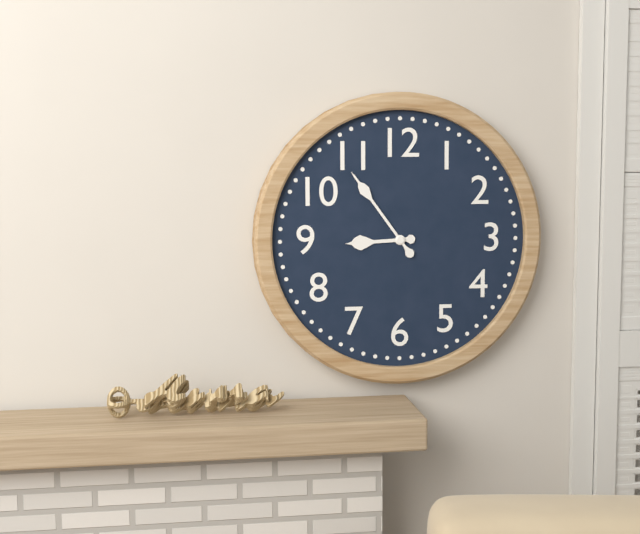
{"hour": 8, "minute": 54}
